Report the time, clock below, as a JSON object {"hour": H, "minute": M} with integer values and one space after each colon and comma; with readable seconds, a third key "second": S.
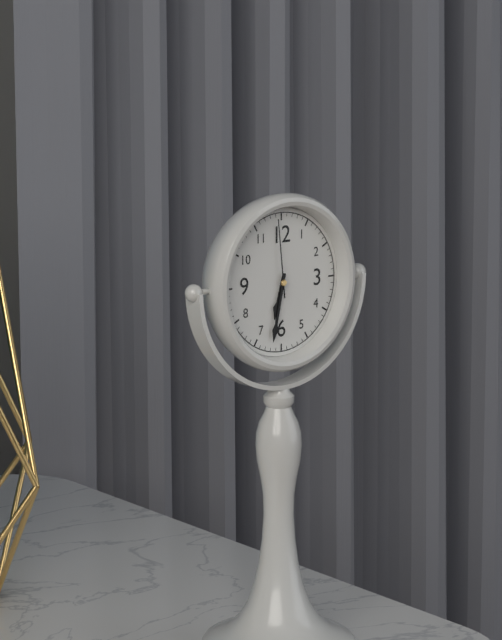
{"hour": 6, "minute": 32, "second": 59}
